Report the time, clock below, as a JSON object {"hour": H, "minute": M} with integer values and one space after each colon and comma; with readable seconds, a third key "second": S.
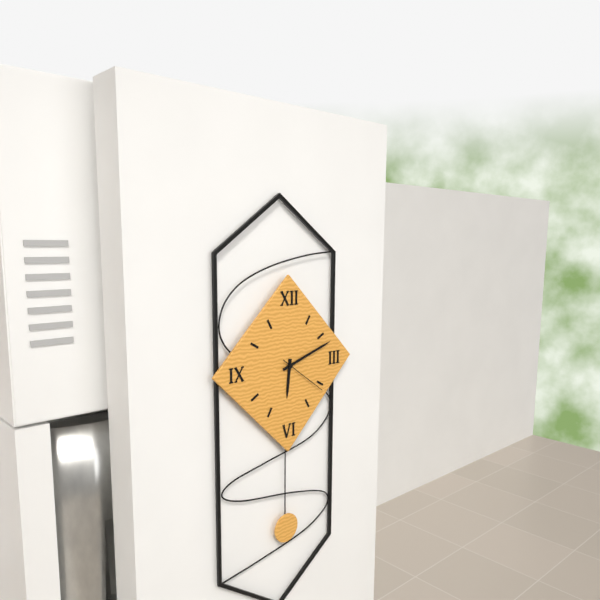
{"hour": 6, "minute": 12, "second": 21}
